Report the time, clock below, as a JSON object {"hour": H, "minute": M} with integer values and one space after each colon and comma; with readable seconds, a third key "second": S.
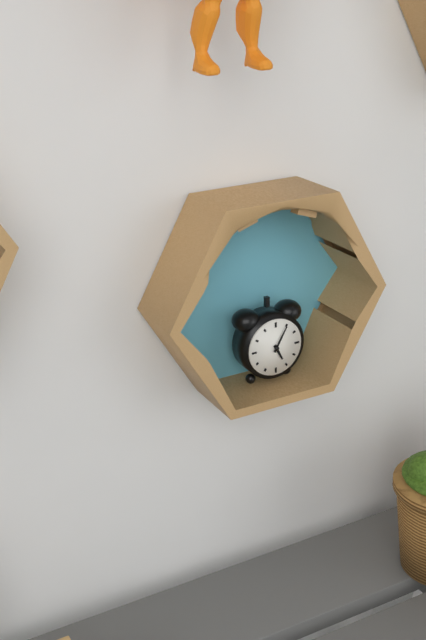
{"hour": 5, "minute": 5}
